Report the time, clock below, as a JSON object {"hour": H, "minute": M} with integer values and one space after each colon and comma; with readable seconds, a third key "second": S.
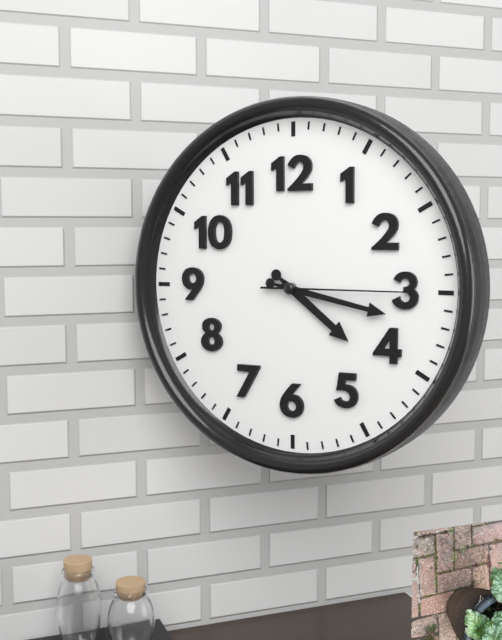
{"hour": 4, "minute": 17, "second": 15}
